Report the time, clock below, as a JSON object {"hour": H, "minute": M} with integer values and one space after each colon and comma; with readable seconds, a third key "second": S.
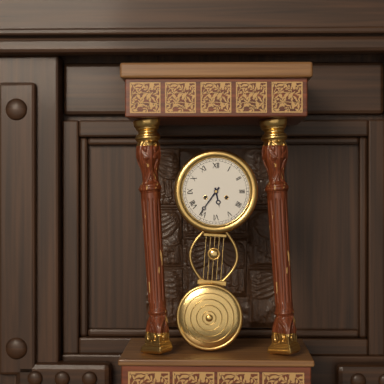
{"hour": 5, "minute": 36}
